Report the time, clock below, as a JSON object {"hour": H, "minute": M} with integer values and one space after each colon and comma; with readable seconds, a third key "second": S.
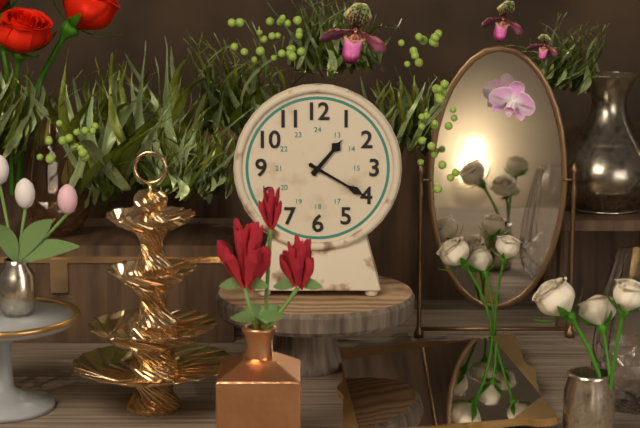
{"hour": 1, "minute": 20}
